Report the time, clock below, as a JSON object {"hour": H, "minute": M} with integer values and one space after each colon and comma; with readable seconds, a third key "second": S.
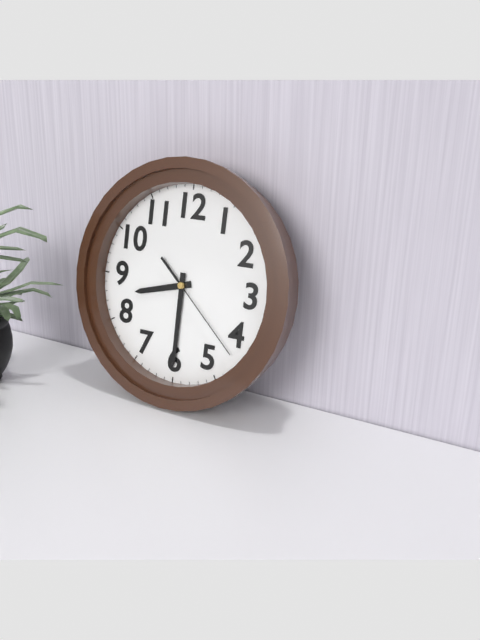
{"hour": 8, "minute": 30, "second": 22}
